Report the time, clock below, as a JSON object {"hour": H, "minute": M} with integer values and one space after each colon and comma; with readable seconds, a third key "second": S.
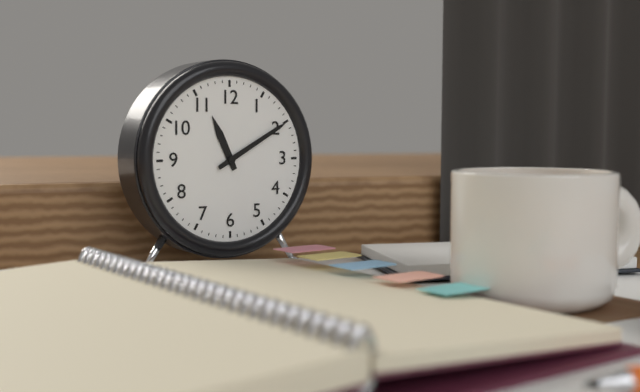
{"hour": 11, "minute": 10}
